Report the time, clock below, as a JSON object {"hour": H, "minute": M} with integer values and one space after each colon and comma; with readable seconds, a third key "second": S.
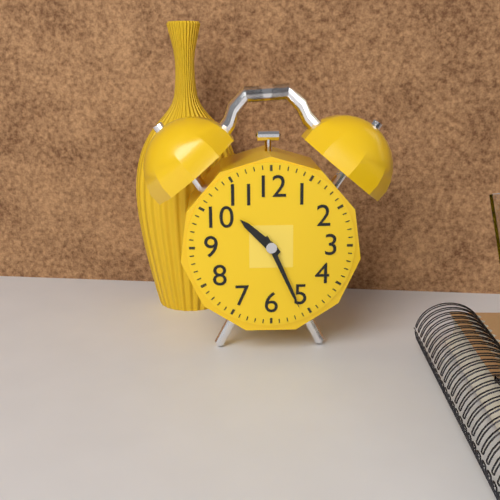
{"hour": 10, "minute": 26}
